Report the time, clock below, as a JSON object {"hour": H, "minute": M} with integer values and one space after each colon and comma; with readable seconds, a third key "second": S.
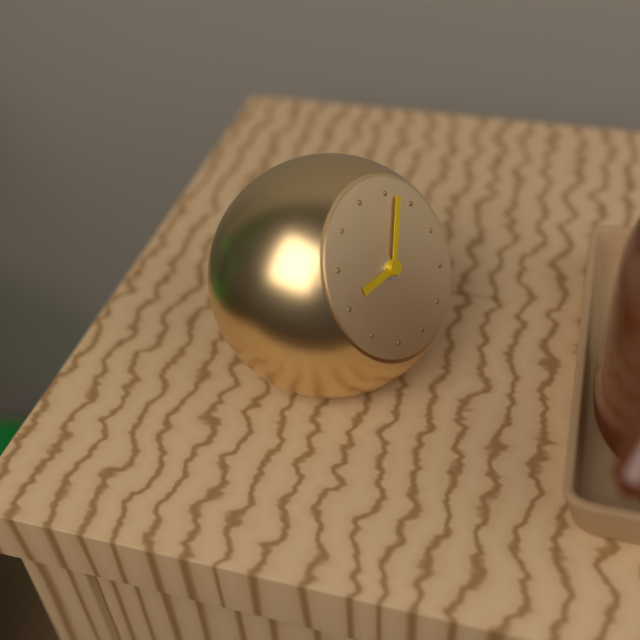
{"hour": 9, "minute": 7}
